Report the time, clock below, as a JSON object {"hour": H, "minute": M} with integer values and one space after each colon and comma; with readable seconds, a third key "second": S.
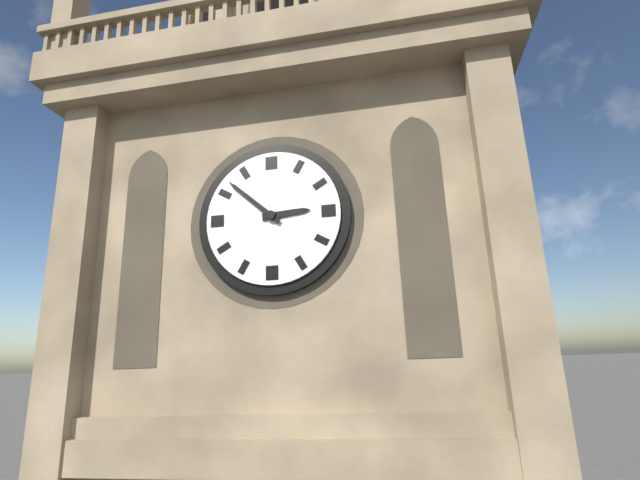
{"hour": 2, "minute": 52}
